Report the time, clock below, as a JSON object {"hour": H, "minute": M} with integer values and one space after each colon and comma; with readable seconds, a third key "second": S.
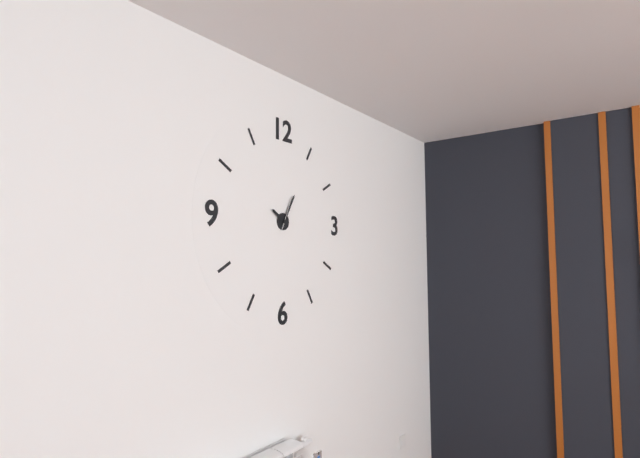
{"hour": 10, "minute": 5}
